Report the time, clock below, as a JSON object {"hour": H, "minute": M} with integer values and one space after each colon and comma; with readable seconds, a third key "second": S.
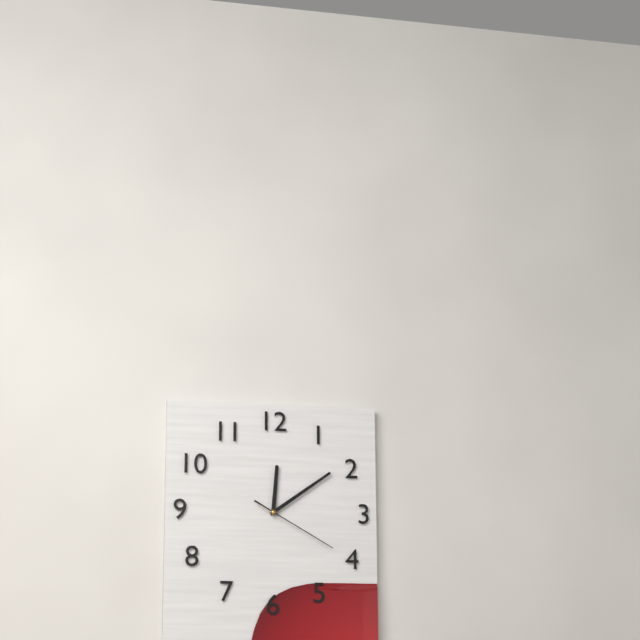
{"hour": 12, "minute": 9, "second": 20}
